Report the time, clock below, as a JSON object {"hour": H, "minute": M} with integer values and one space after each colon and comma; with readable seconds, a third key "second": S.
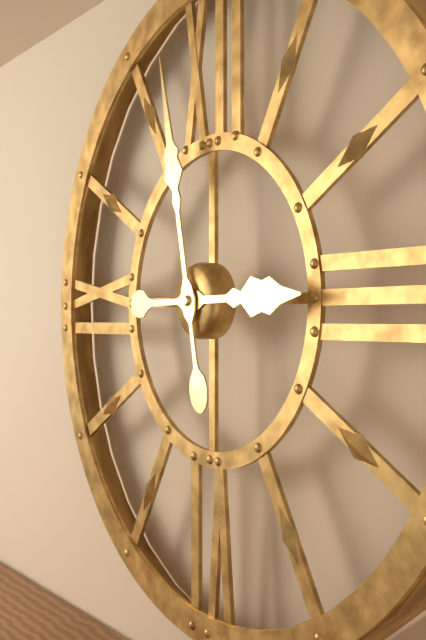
{"hour": 2, "minute": 58}
